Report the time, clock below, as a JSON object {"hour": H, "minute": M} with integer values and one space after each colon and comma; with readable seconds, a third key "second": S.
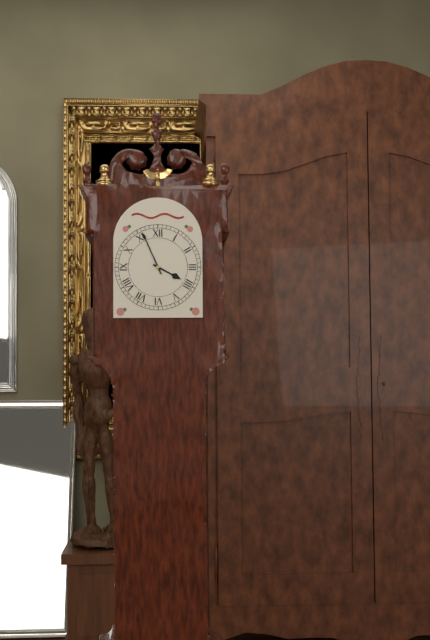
{"hour": 3, "minute": 56}
